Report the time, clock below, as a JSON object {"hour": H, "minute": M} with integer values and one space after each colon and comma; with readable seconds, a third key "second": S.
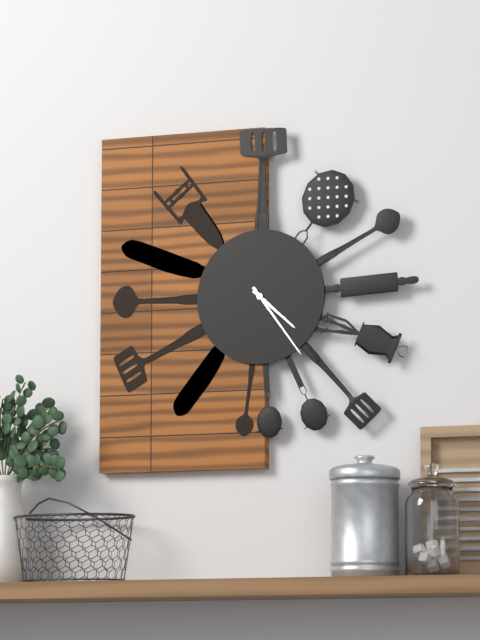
{"hour": 4, "minute": 24}
